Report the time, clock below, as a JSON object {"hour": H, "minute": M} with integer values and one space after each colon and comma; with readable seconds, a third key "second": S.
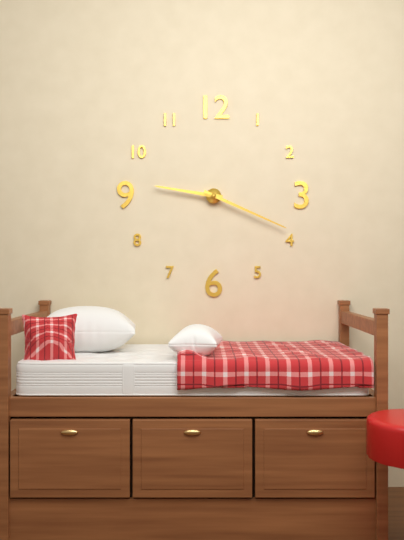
{"hour": 9, "minute": 19}
